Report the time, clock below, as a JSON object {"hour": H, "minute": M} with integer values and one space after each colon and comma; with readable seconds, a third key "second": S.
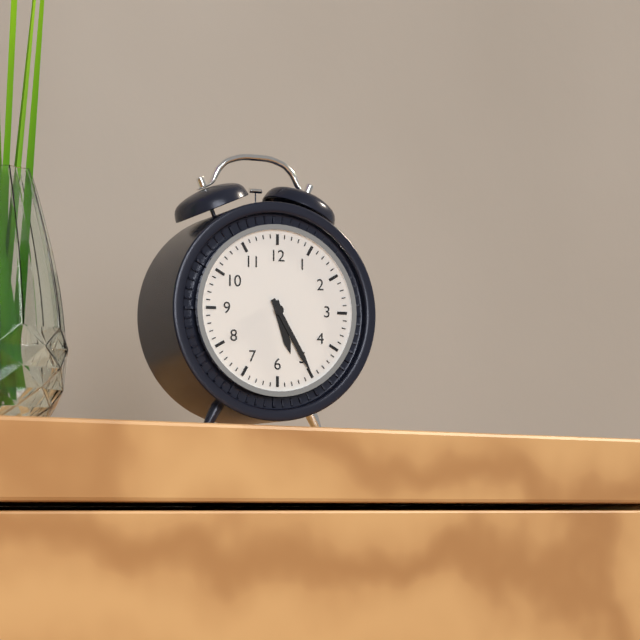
{"hour": 5, "minute": 25}
